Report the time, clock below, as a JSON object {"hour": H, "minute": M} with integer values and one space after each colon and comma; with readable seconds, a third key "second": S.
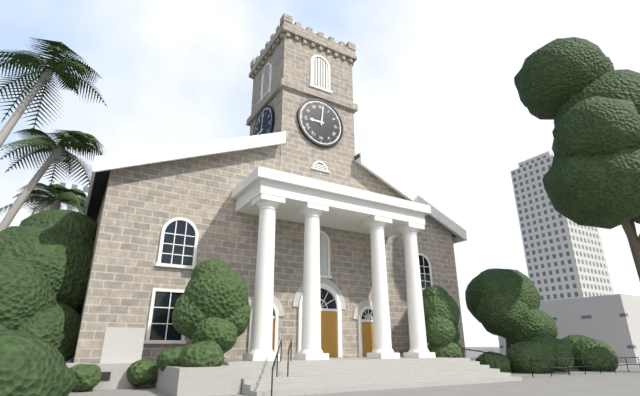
{"hour": 9, "minute": 1}
